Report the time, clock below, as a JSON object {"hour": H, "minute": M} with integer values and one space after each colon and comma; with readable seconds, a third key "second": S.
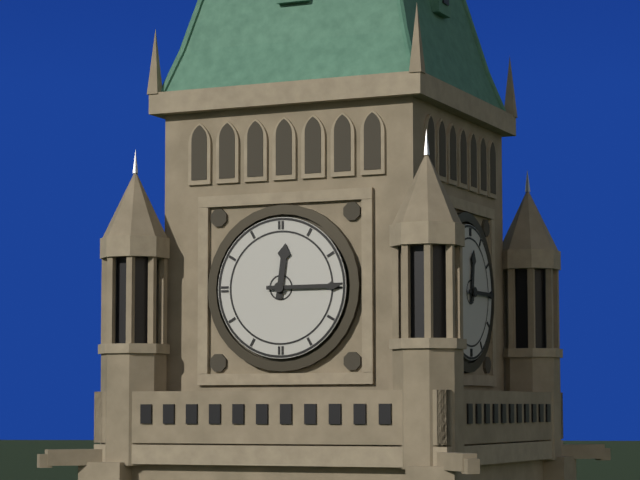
{"hour": 12, "minute": 15}
